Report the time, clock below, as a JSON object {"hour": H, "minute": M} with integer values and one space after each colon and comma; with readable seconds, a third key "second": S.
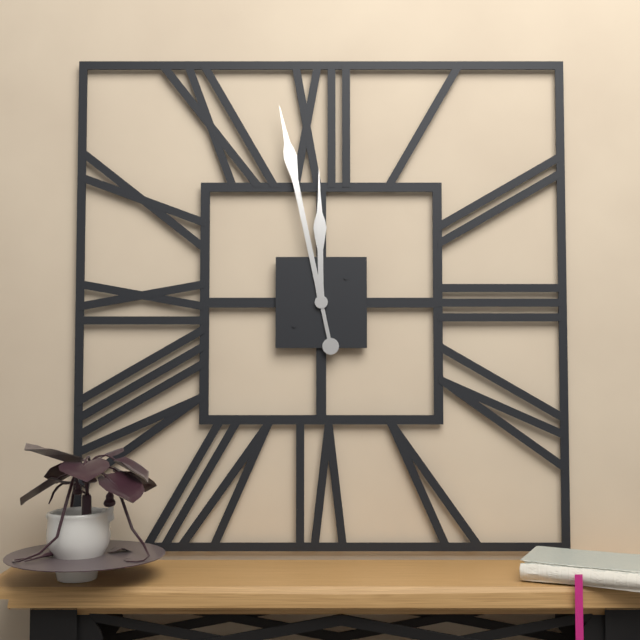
{"hour": 11, "minute": 58}
